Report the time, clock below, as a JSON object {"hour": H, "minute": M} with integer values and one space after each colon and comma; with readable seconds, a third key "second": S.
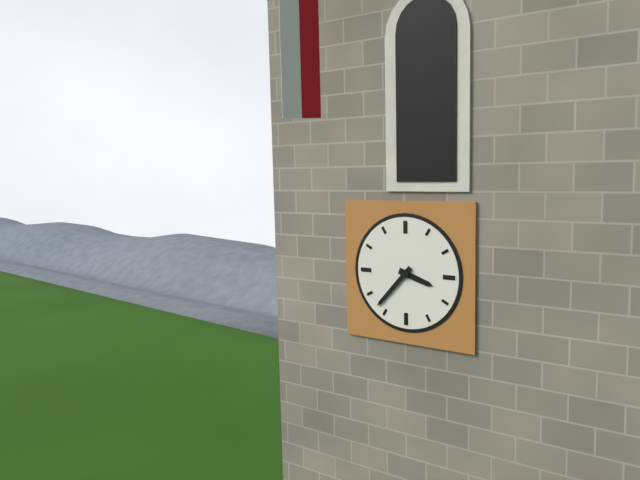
{"hour": 3, "minute": 37}
